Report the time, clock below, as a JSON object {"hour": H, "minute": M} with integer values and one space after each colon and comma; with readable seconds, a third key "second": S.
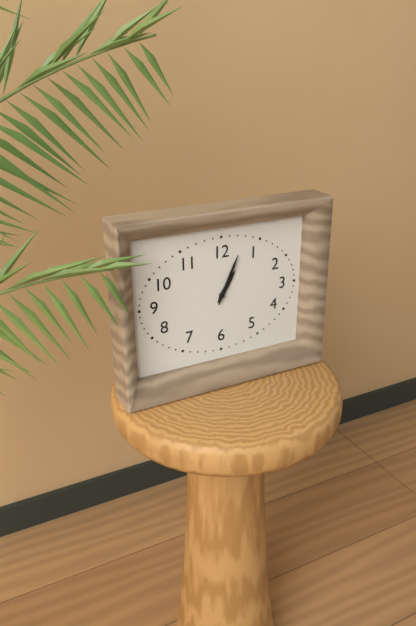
{"hour": 1, "minute": 4}
